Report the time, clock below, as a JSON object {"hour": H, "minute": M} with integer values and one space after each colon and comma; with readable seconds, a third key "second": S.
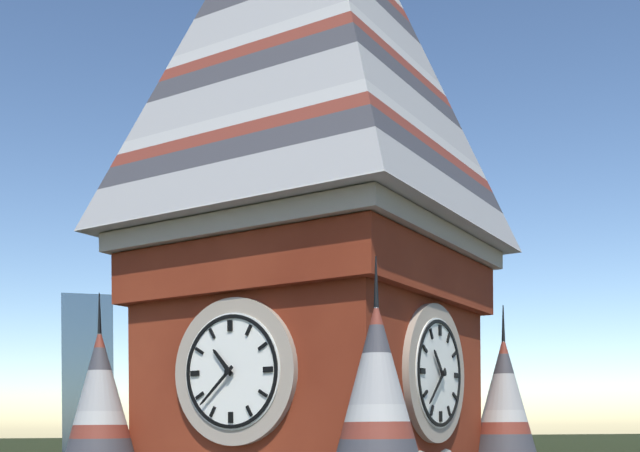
{"hour": 10, "minute": 38}
